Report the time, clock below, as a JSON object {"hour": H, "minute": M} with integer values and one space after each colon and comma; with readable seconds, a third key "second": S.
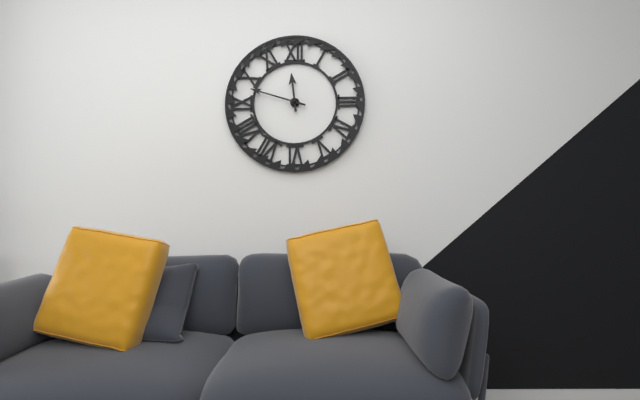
{"hour": 11, "minute": 48}
